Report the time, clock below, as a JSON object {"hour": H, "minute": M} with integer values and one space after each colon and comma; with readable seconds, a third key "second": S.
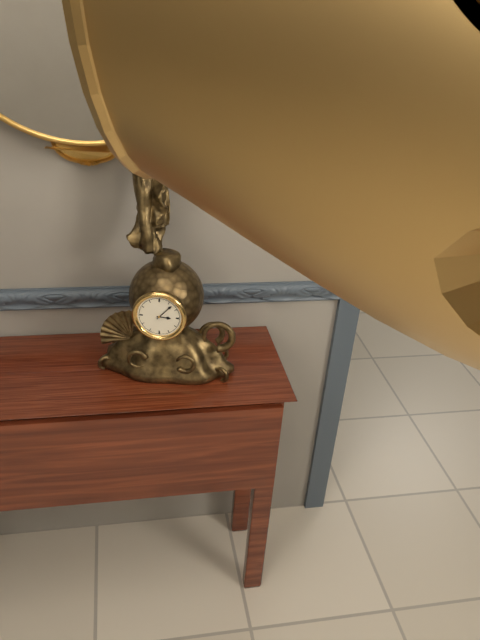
{"hour": 3, "minute": 7}
